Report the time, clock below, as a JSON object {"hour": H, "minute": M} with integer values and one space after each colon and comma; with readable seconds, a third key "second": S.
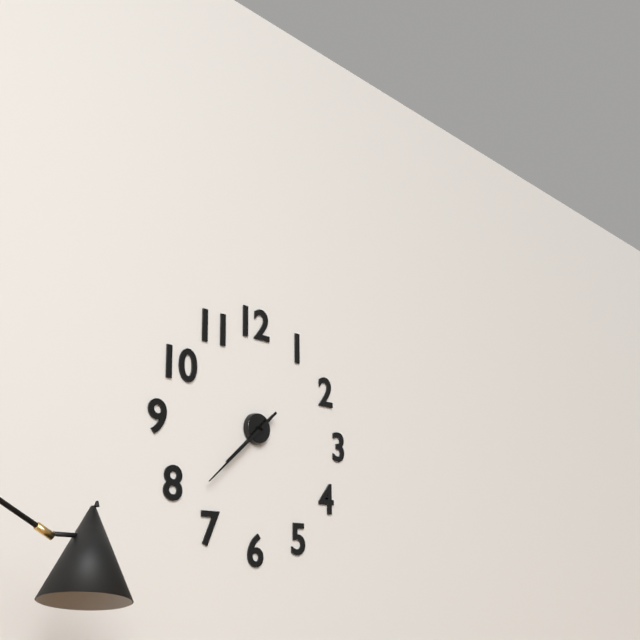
{"hour": 7, "minute": 38}
